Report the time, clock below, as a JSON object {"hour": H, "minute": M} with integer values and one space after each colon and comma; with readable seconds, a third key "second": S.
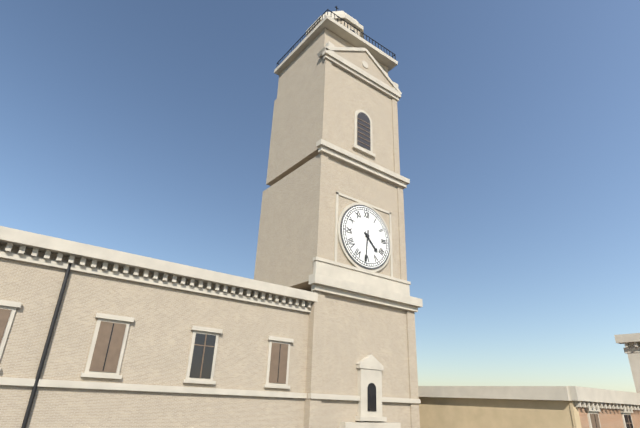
{"hour": 4, "minute": 31}
